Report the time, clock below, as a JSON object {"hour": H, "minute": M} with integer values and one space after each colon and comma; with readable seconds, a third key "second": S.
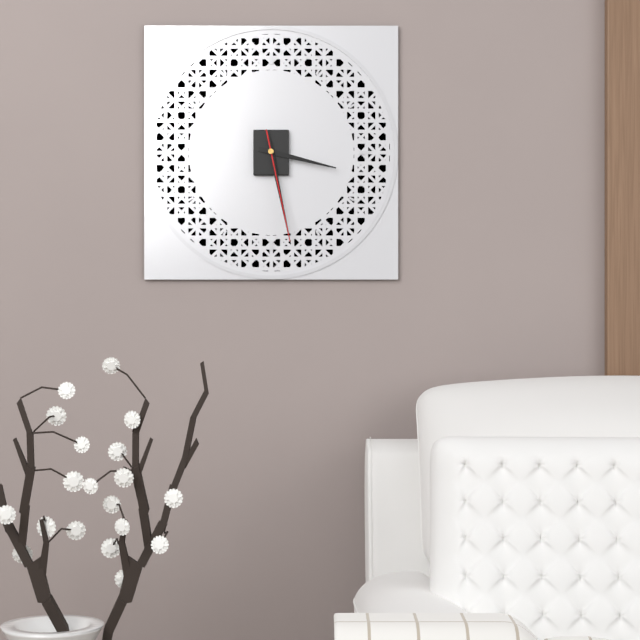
{"hour": 3, "minute": 28, "second": 28}
